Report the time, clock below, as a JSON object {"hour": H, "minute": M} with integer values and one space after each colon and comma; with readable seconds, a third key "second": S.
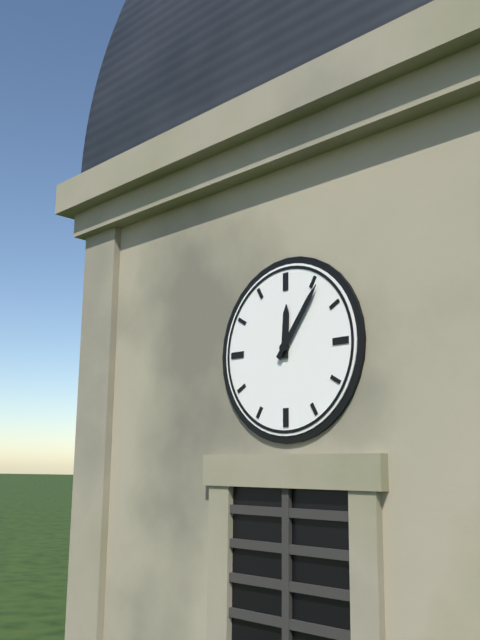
{"hour": 12, "minute": 6}
